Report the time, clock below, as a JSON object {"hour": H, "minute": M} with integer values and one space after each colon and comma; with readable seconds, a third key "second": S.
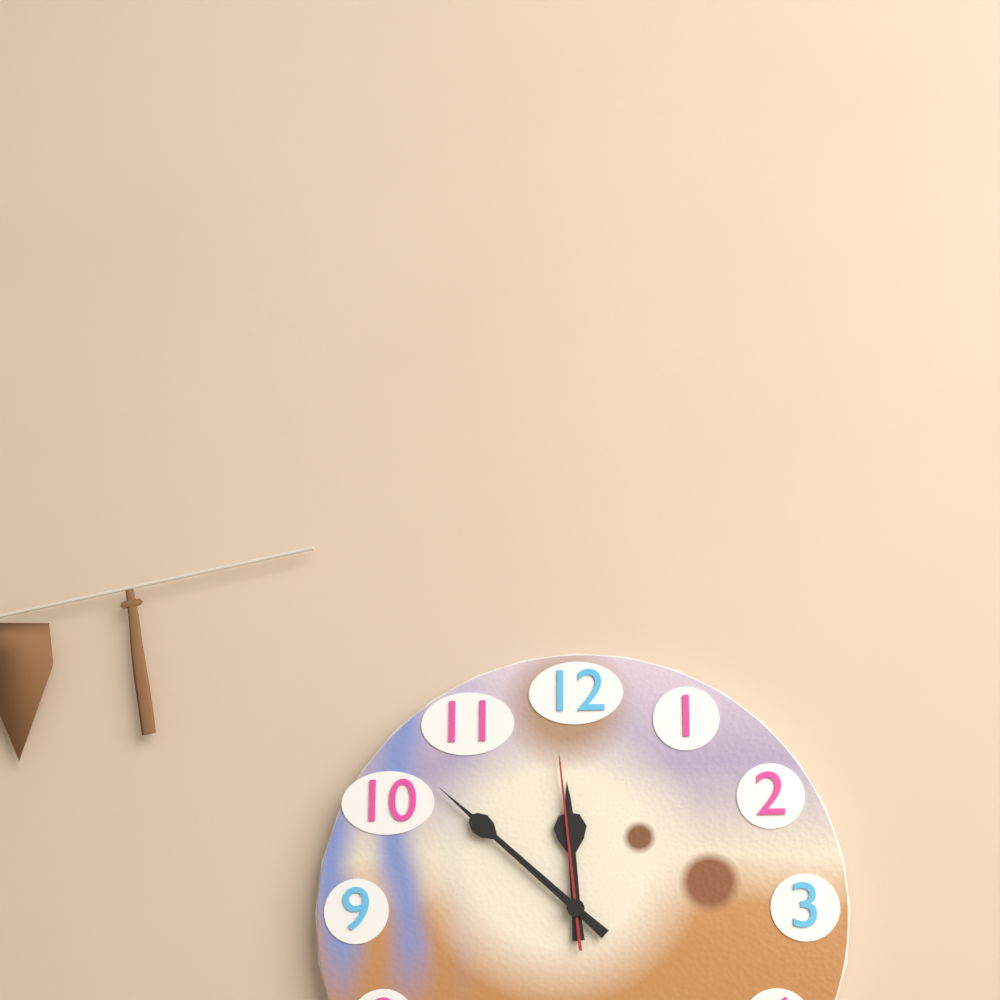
{"hour": 11, "minute": 52, "second": 59}
